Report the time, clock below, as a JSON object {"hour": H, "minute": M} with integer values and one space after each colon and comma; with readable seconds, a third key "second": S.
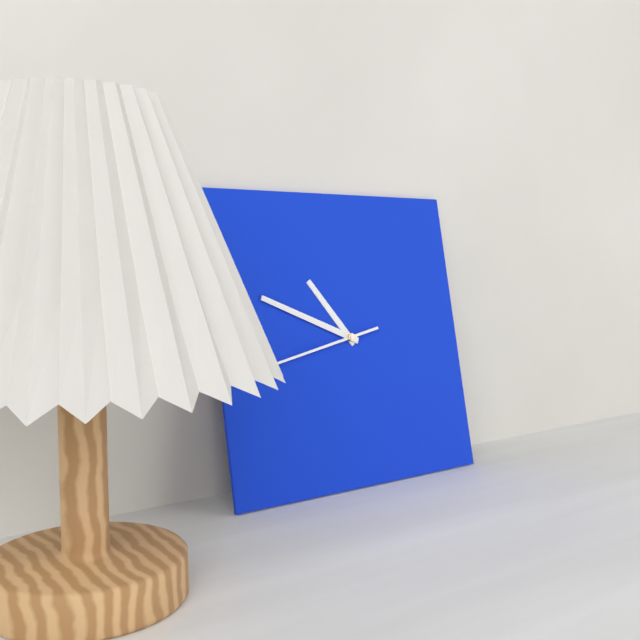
{"hour": 10, "minute": 49, "second": 43}
